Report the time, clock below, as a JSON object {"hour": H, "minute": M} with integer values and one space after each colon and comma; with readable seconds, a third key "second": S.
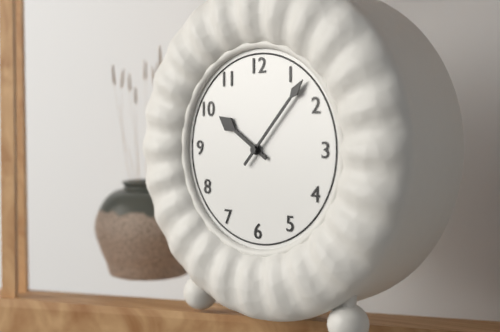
{"hour": 10, "minute": 7}
